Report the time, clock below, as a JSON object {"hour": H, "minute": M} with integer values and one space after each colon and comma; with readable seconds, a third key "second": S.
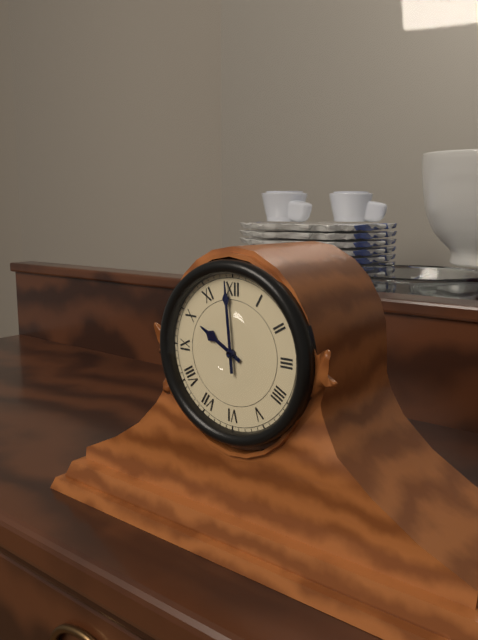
{"hour": 9, "minute": 59}
